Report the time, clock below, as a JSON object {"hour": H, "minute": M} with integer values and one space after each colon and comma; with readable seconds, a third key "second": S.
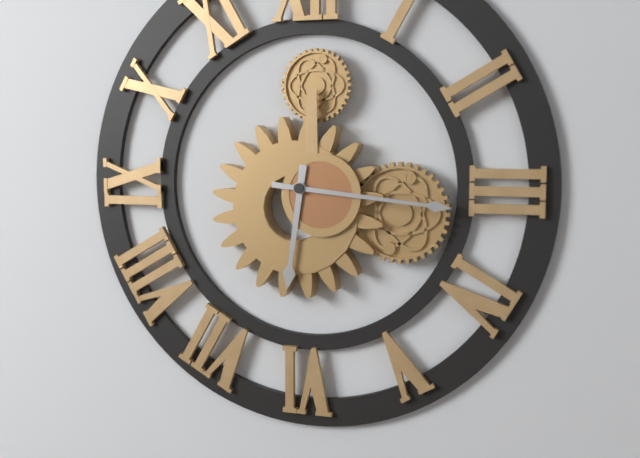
{"hour": 6, "minute": 16}
